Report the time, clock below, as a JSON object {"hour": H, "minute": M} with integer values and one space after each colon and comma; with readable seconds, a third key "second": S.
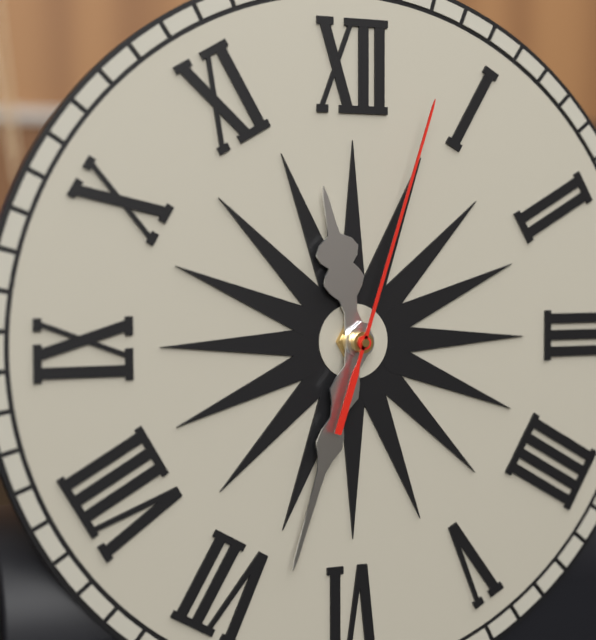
{"hour": 11, "minute": 33, "second": 3}
